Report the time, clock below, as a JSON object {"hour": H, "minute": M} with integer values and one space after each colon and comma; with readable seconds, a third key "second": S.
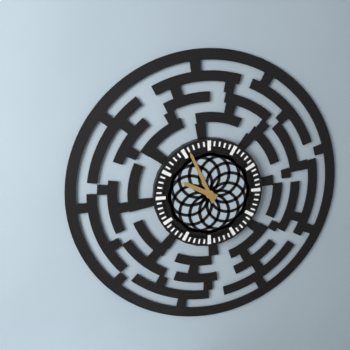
{"hour": 9, "minute": 56}
